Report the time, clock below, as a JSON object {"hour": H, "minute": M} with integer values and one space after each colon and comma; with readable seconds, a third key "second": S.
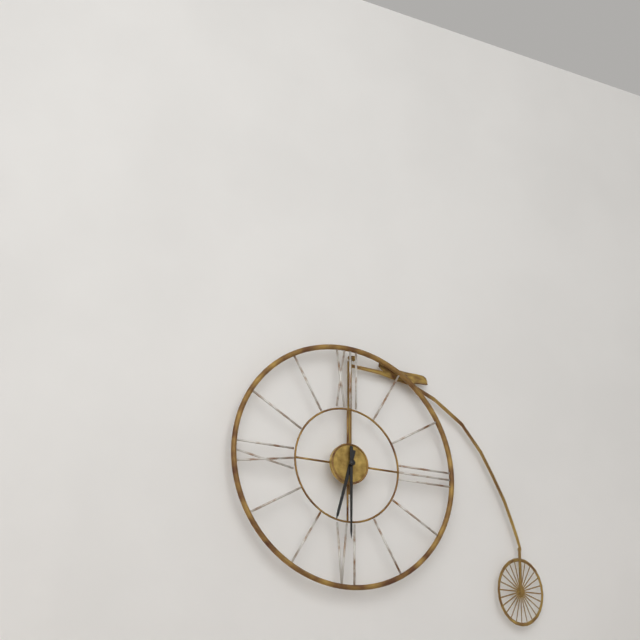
{"hour": 6, "minute": 30}
